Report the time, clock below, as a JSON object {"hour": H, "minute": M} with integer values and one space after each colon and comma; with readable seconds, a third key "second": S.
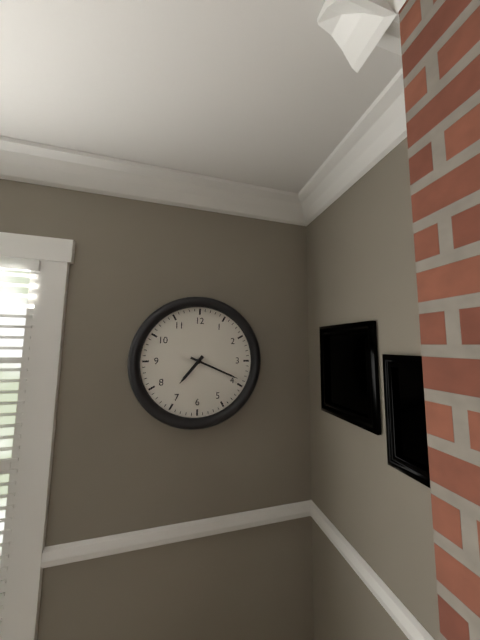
{"hour": 7, "minute": 19}
